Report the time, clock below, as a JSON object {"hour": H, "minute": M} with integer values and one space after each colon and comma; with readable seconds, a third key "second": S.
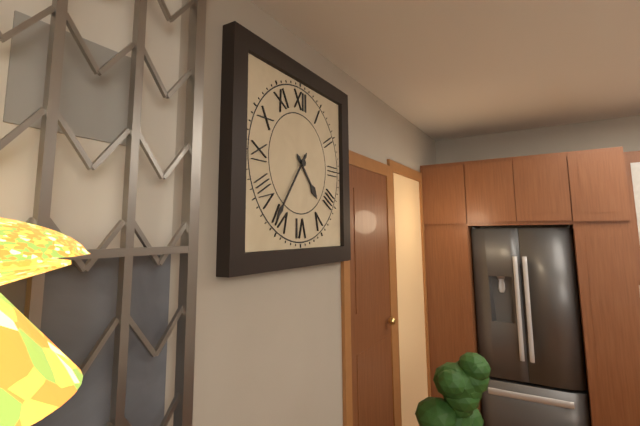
{"hour": 4, "minute": 36}
